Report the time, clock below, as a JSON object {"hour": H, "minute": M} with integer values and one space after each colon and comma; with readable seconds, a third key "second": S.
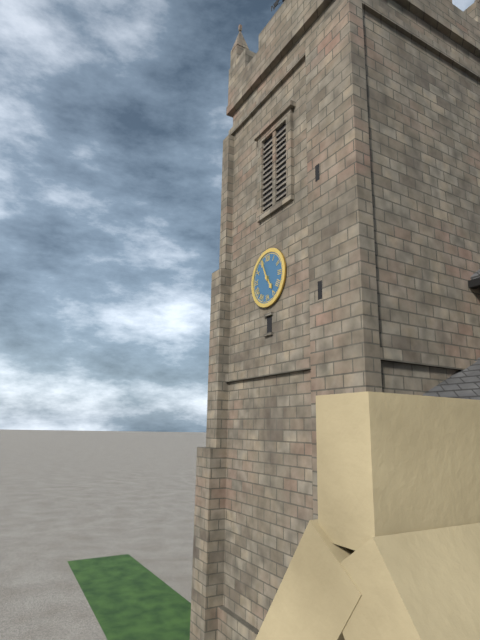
{"hour": 4, "minute": 56}
